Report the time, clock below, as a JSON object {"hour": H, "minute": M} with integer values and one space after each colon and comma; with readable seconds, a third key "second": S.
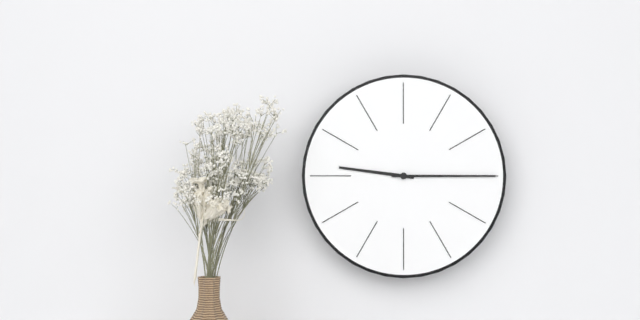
{"hour": 9, "minute": 15}
